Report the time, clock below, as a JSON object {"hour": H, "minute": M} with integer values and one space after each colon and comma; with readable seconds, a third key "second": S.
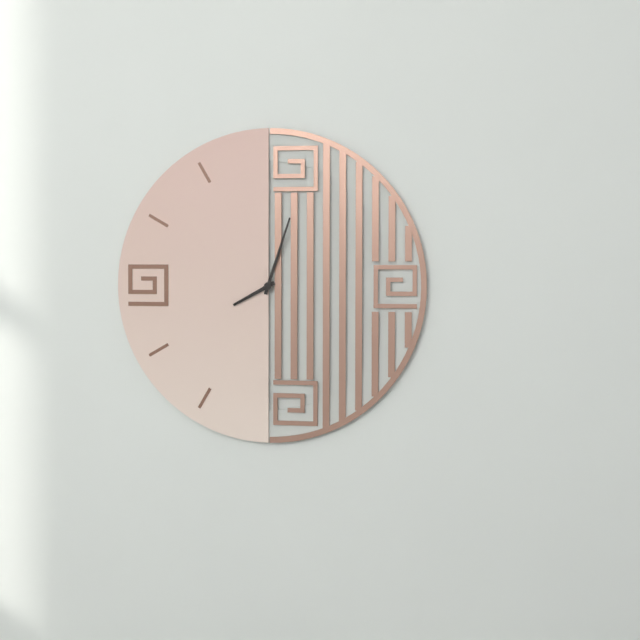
{"hour": 8, "minute": 3}
